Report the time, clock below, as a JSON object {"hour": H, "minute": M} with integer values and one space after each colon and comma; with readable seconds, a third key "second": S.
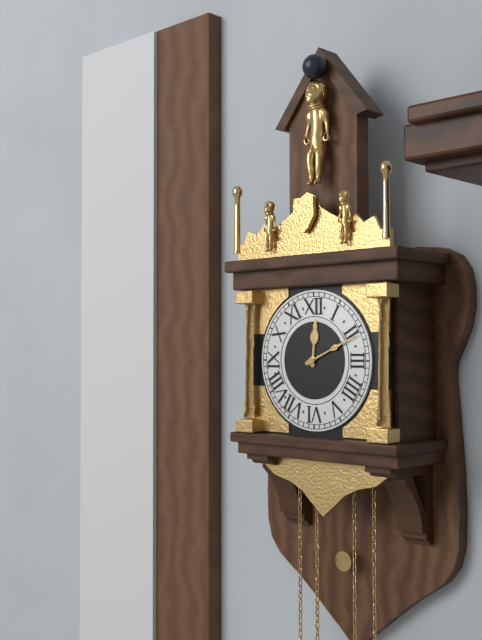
{"hour": 12, "minute": 11}
